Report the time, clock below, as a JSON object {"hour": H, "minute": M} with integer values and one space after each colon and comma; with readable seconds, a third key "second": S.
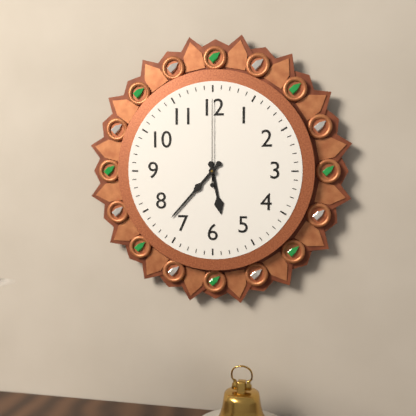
{"hour": 5, "minute": 37, "second": 0}
